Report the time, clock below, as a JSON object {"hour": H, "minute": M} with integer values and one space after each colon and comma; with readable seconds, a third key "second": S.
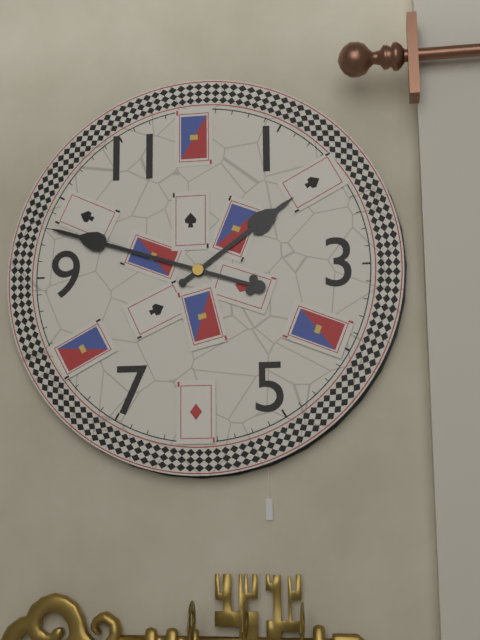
{"hour": 1, "minute": 48}
